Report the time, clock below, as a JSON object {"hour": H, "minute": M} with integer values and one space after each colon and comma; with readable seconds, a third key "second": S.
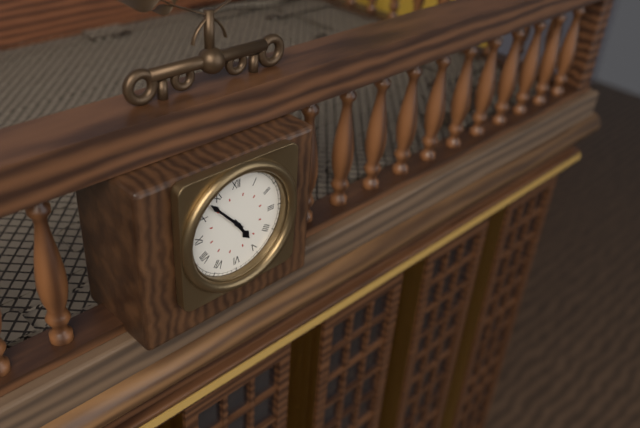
{"hour": 4, "minute": 53}
